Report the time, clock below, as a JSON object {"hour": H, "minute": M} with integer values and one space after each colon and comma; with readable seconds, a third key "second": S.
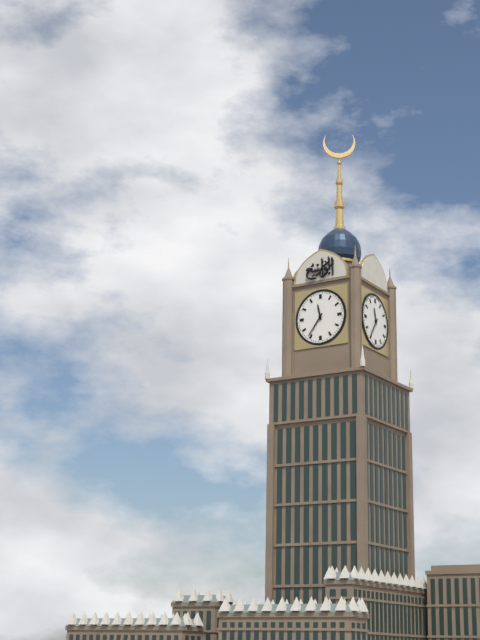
{"hour": 11, "minute": 36}
